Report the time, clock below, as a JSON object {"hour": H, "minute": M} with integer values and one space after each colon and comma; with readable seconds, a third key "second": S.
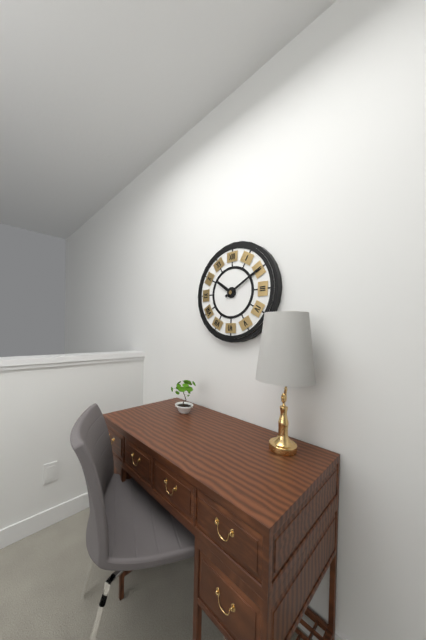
{"hour": 10, "minute": 10}
